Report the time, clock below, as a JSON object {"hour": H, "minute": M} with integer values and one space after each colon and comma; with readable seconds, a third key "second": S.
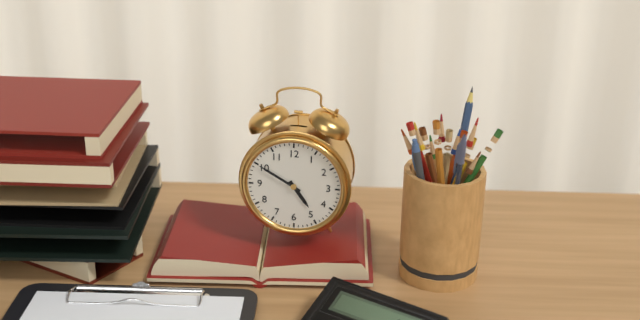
{"hour": 4, "minute": 50}
